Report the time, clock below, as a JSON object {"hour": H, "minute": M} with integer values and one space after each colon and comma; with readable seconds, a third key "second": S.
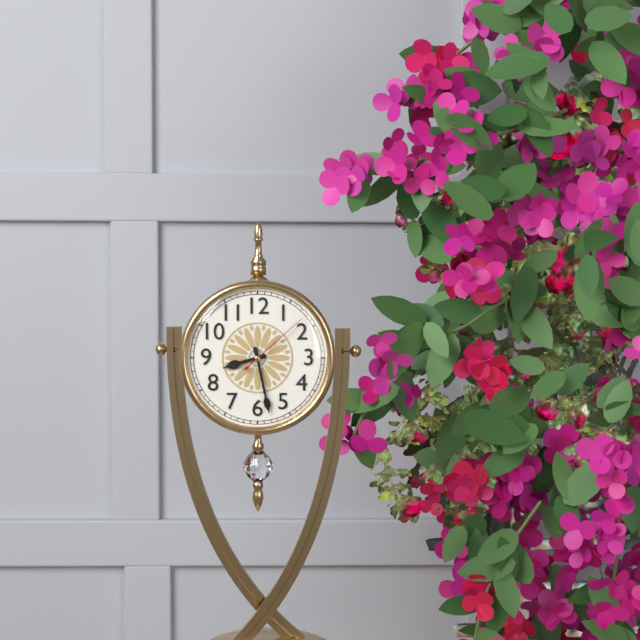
{"hour": 8, "minute": 28, "second": 8}
